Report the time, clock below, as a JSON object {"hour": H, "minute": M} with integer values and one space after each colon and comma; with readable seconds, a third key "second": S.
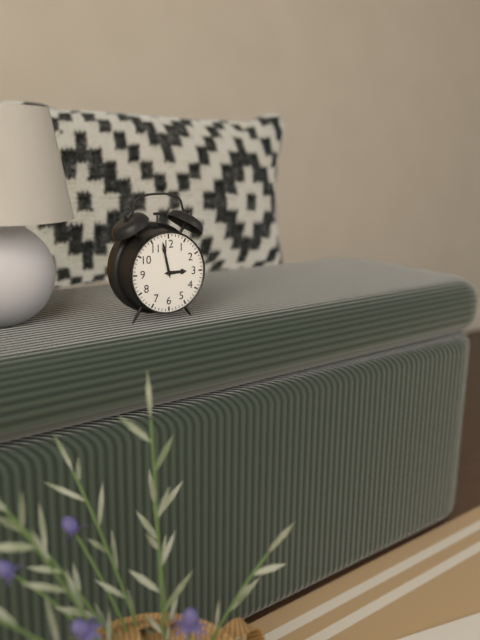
{"hour": 2, "minute": 58}
